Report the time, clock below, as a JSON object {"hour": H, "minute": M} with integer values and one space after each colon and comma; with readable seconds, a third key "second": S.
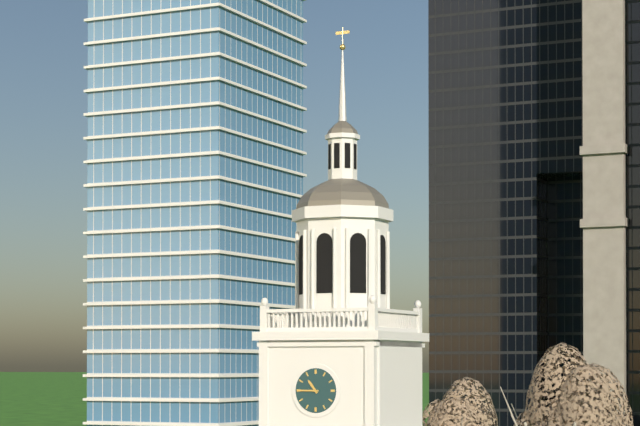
{"hour": 10, "minute": 45}
